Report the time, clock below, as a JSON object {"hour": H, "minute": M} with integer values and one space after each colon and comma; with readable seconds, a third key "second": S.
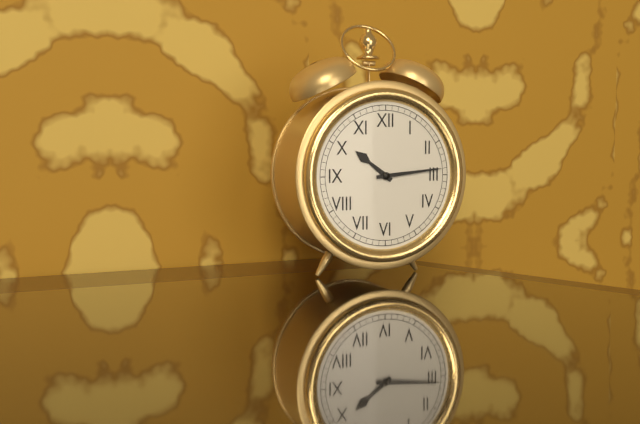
{"hour": 10, "minute": 14}
